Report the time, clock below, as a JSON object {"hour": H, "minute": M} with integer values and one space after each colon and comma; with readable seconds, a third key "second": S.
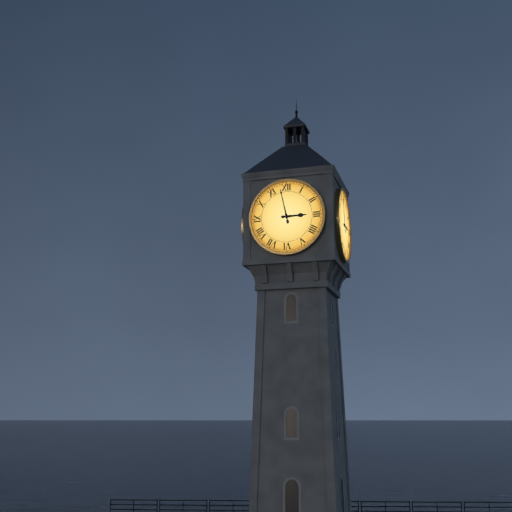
{"hour": 2, "minute": 58}
